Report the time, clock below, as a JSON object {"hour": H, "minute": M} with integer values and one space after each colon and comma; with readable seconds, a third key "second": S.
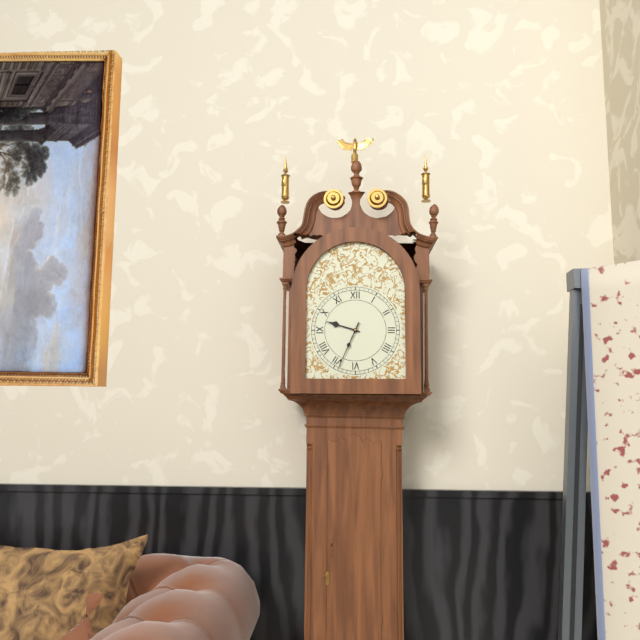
{"hour": 9, "minute": 34}
